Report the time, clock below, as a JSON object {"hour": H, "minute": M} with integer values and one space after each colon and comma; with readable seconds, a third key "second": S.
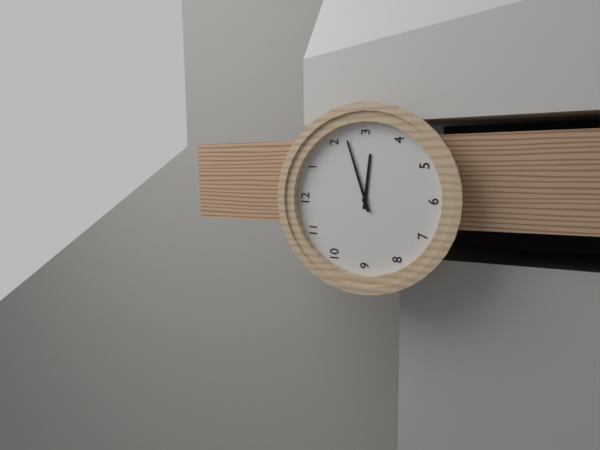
{"hour": 3, "minute": 12}
